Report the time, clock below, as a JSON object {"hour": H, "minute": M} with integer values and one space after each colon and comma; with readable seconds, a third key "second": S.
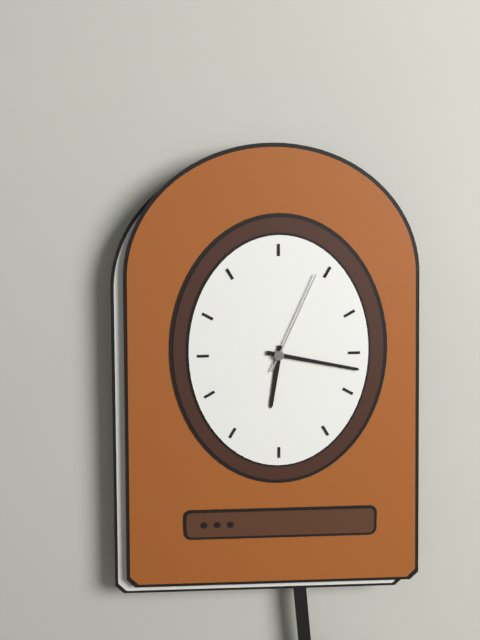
{"hour": 6, "minute": 17, "second": 4}
